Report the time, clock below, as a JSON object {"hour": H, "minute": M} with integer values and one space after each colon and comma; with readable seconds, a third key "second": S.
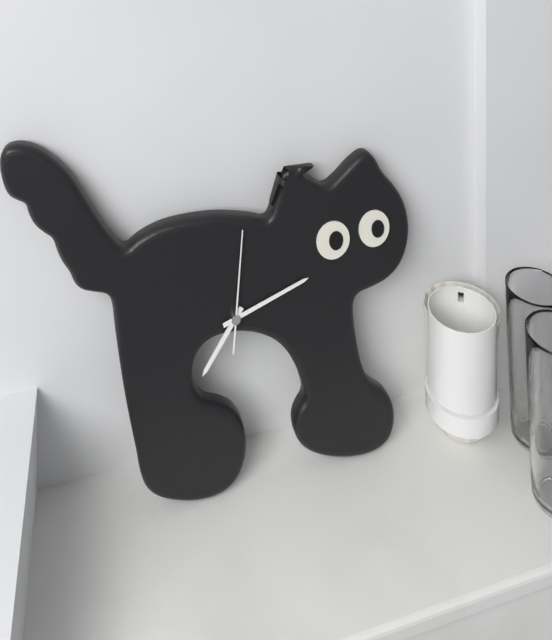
{"hour": 7, "minute": 12, "second": 1}
